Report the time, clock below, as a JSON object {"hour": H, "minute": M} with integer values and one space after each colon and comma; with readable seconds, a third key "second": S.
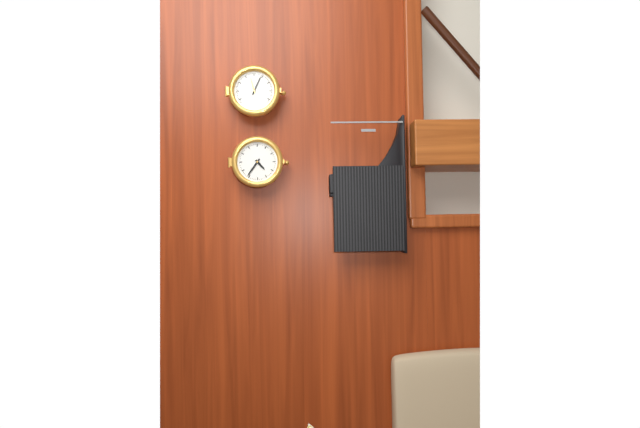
{"hour": 4, "minute": 36}
